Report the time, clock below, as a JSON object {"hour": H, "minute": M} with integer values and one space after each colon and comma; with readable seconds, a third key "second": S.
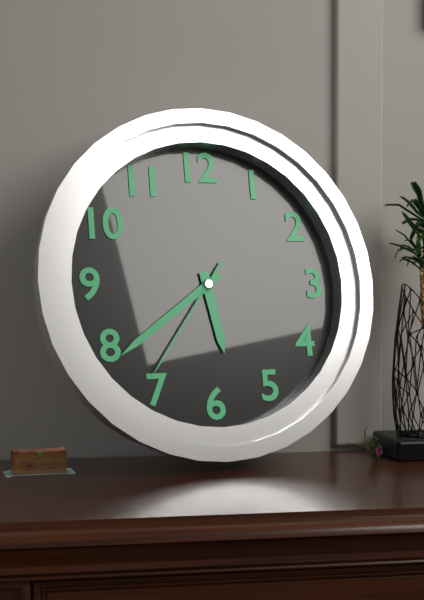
{"hour": 5, "minute": 39, "second": 36}
